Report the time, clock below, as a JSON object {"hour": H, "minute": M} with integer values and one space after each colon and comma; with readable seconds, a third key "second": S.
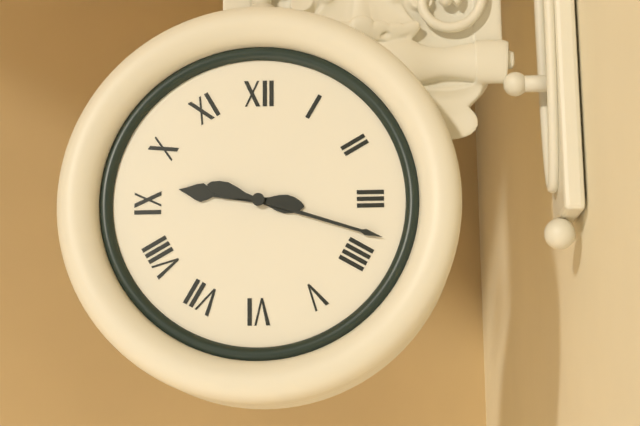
{"hour": 9, "minute": 18}
